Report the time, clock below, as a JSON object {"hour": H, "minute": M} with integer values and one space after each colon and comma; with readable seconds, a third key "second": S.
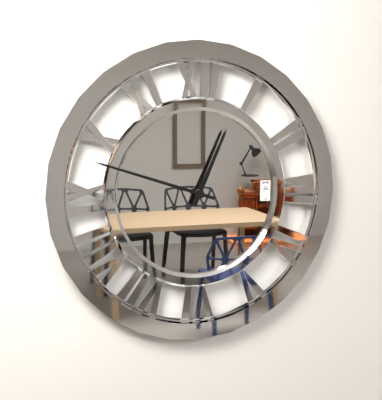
{"hour": 12, "minute": 48}
